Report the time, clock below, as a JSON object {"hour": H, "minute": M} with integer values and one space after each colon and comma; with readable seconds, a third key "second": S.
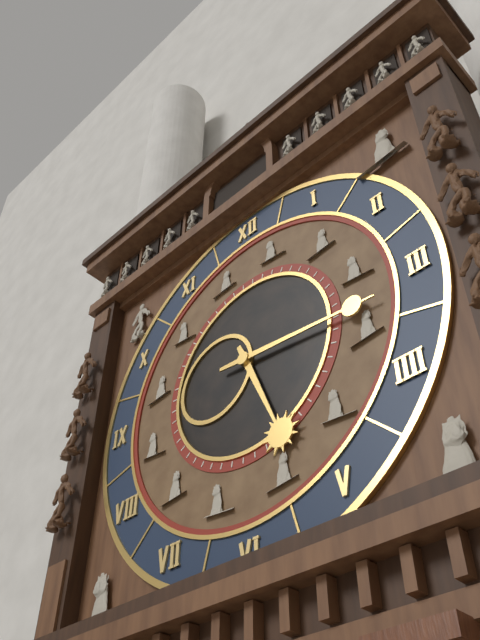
{"hour": 5, "minute": 16}
